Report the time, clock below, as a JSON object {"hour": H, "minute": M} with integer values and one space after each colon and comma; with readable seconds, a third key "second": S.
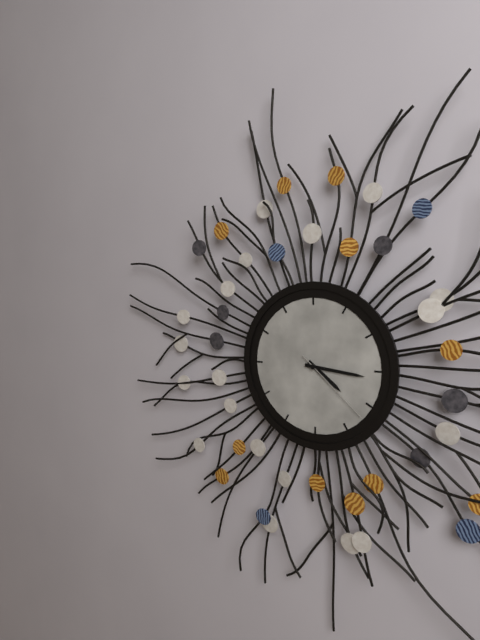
{"hour": 4, "minute": 16, "second": 22}
